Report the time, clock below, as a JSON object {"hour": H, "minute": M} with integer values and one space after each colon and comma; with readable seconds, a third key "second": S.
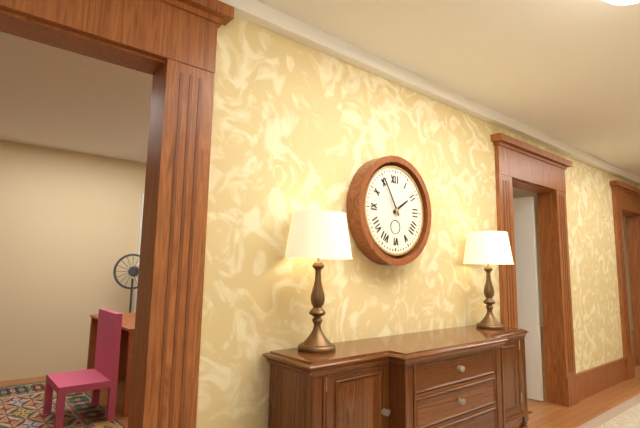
{"hour": 1, "minute": 55}
